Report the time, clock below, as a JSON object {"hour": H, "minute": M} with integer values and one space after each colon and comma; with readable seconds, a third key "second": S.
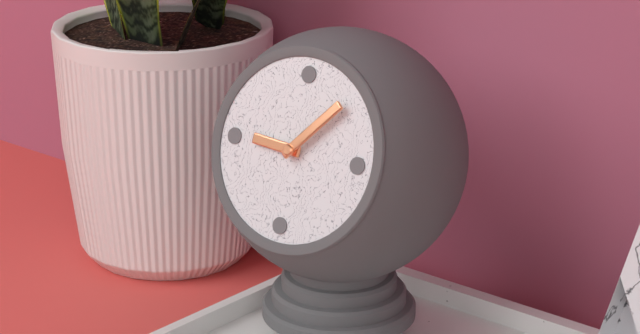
{"hour": 9, "minute": 7}
